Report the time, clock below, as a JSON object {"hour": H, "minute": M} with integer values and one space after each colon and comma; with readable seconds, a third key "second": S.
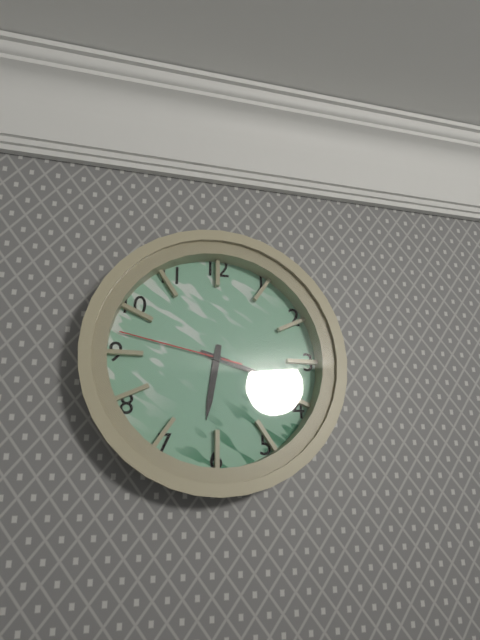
{"hour": 6, "minute": 18, "second": 47}
